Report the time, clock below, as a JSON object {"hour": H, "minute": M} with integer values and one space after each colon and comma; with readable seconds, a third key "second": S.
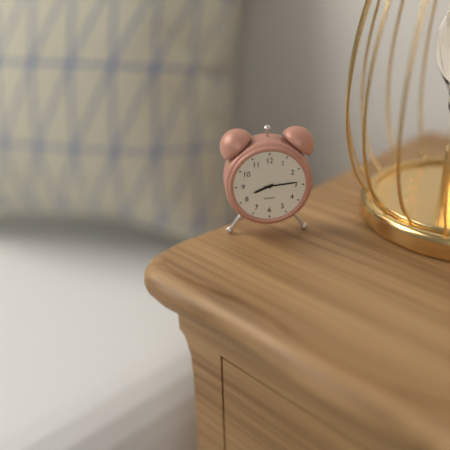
{"hour": 8, "minute": 14}
